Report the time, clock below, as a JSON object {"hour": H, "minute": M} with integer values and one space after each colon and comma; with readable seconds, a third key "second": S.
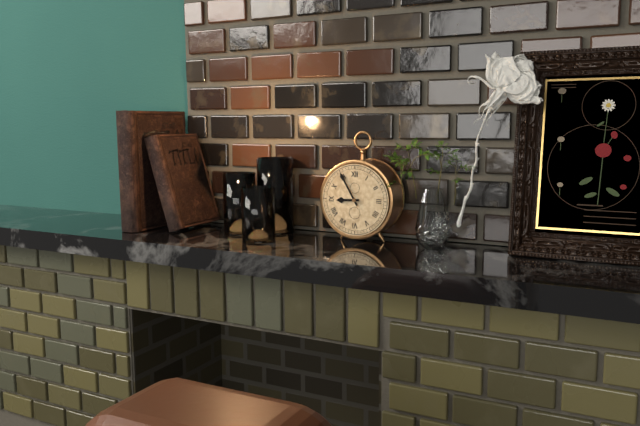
{"hour": 8, "minute": 55}
